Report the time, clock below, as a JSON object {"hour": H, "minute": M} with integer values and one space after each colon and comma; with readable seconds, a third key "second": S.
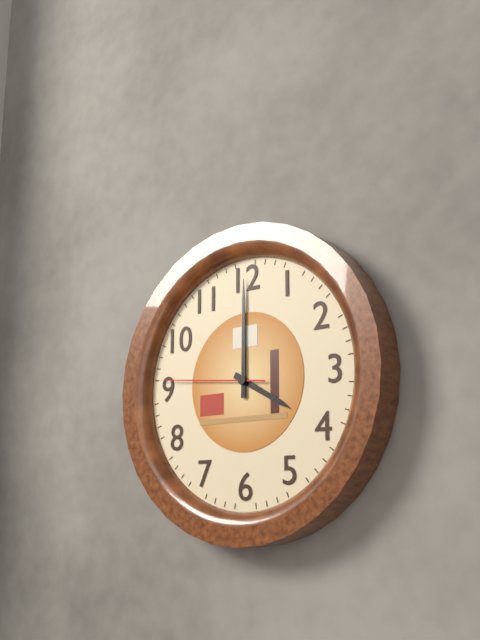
{"hour": 4, "minute": 0, "second": 46}
